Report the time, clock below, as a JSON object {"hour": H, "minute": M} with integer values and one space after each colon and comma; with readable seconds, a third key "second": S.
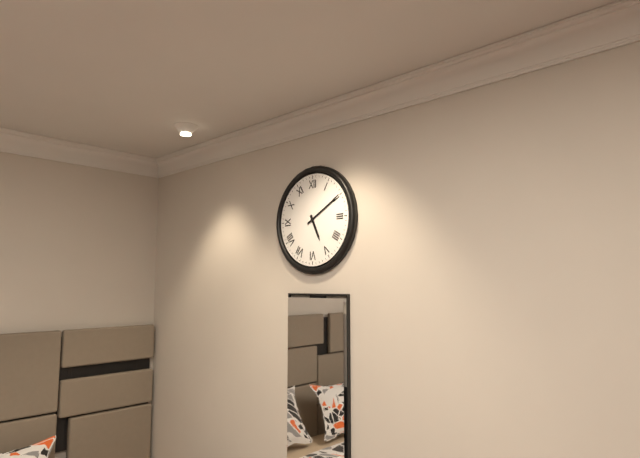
{"hour": 5, "minute": 10}
